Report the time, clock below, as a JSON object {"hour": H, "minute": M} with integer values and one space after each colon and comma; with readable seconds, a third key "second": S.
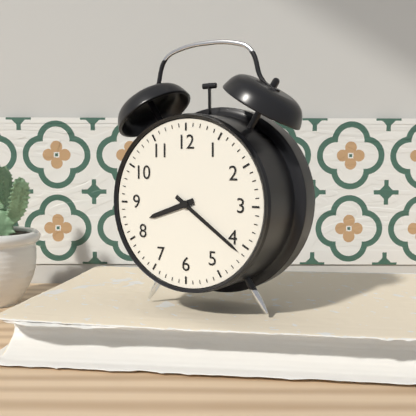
{"hour": 8, "minute": 21}
